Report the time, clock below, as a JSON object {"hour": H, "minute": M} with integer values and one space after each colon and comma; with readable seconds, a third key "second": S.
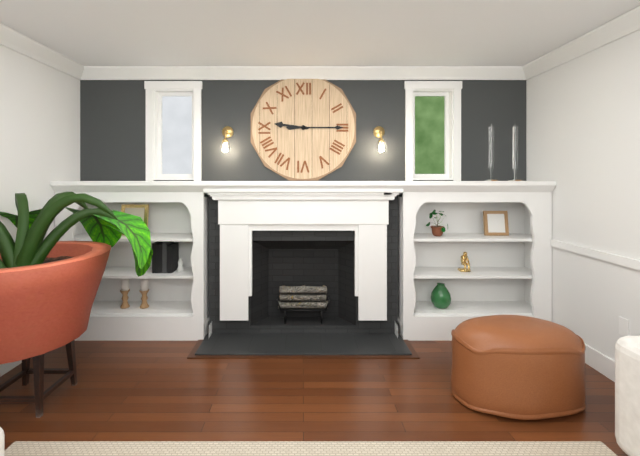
{"hour": 9, "minute": 15}
